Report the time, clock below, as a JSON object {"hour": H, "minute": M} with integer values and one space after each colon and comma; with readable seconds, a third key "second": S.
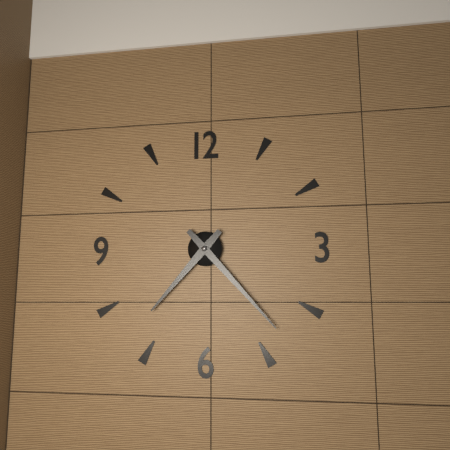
{"hour": 7, "minute": 23}
